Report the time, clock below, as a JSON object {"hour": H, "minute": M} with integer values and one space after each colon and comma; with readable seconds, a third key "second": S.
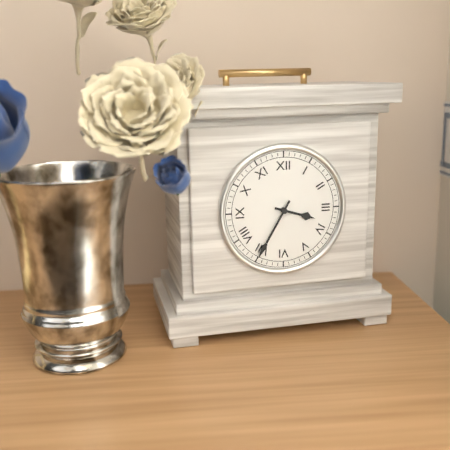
{"hour": 3, "minute": 35}
